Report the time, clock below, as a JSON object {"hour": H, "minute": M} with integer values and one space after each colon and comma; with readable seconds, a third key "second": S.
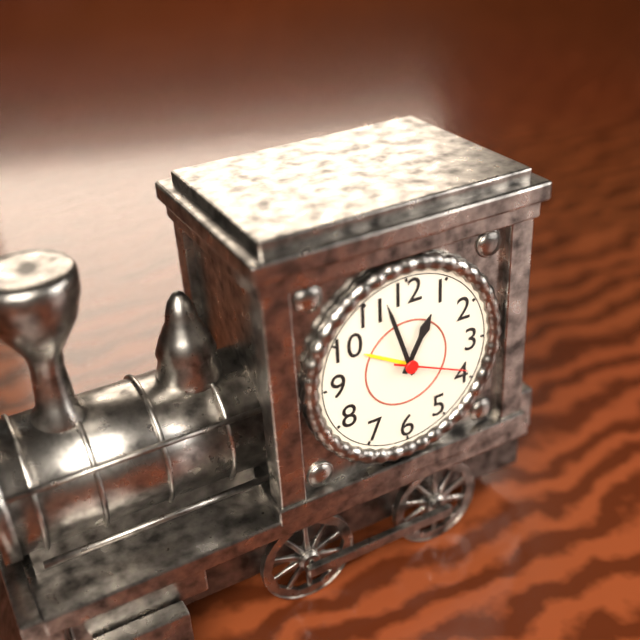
{"hour": 12, "minute": 57, "second": 19}
